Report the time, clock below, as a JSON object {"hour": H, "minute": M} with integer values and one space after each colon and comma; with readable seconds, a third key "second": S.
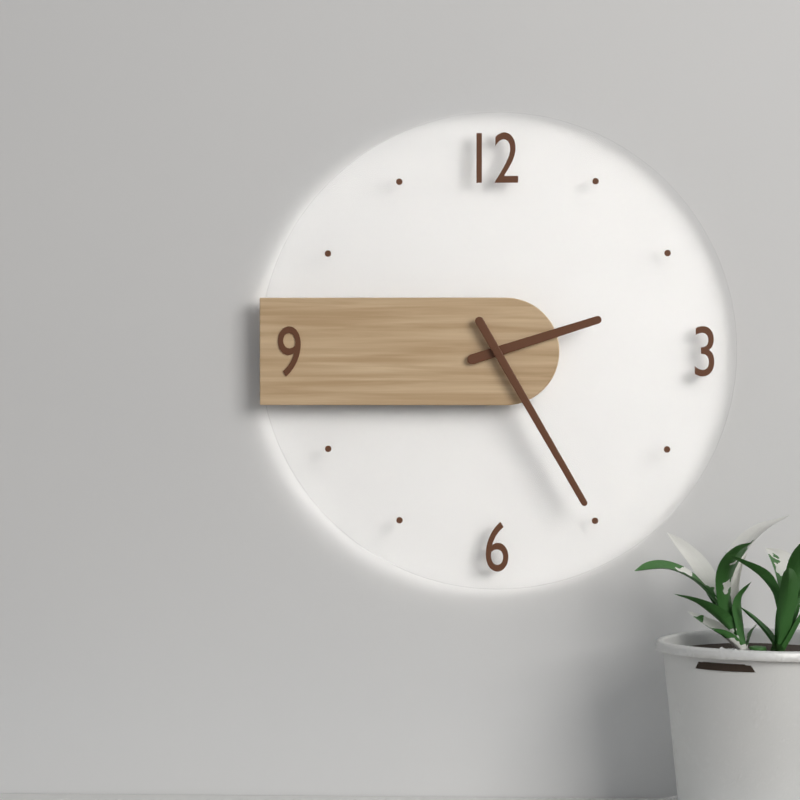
{"hour": 2, "minute": 25}
